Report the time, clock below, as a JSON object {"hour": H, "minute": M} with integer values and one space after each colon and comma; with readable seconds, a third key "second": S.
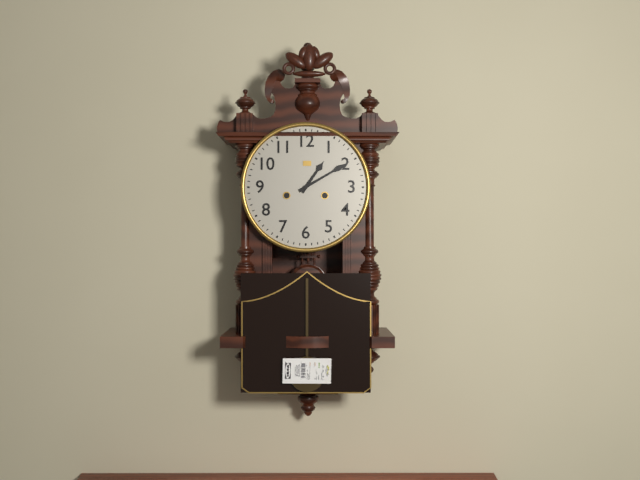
{"hour": 1, "minute": 10}
